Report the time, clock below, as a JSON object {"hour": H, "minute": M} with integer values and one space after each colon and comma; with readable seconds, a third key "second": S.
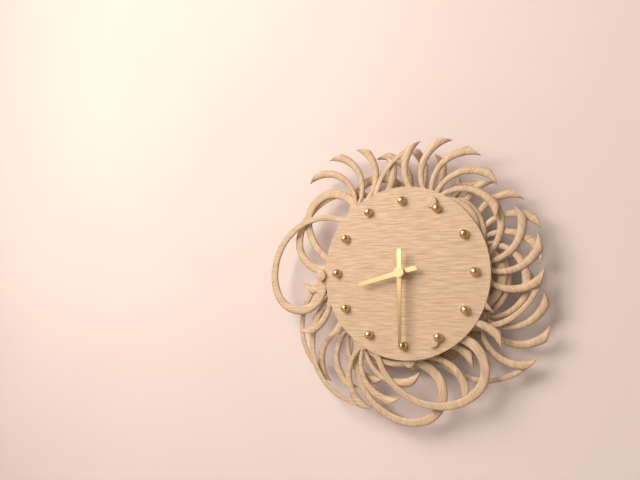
{"hour": 8, "minute": 30}
